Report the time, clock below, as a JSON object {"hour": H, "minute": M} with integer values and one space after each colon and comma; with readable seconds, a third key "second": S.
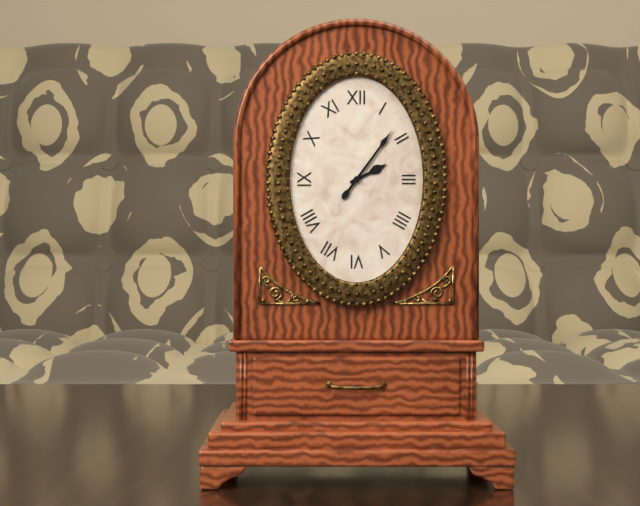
{"hour": 2, "minute": 6}
